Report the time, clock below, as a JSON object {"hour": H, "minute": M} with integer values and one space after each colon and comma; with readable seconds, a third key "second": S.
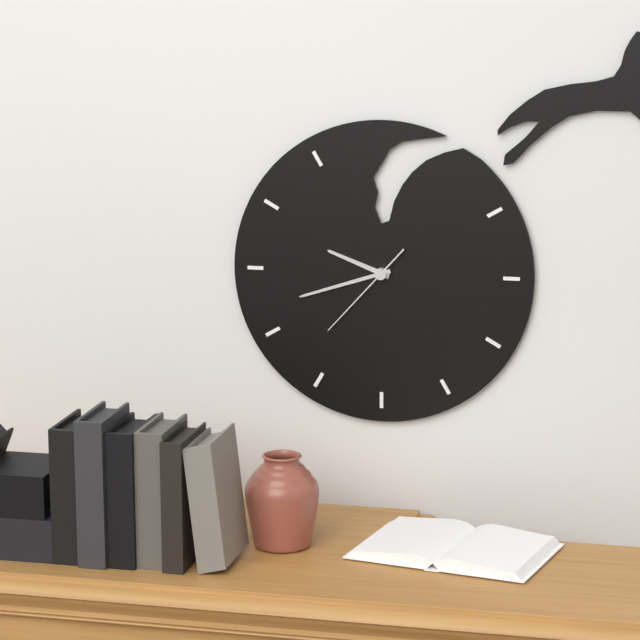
{"hour": 9, "minute": 42, "second": 37}
